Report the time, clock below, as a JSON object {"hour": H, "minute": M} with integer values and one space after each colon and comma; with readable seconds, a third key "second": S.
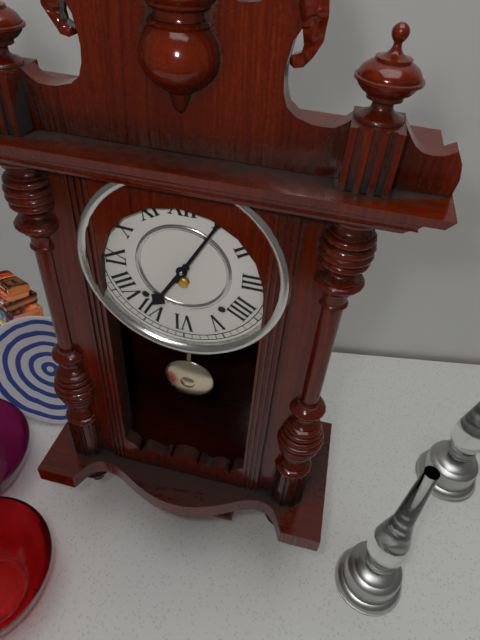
{"hour": 7, "minute": 5}
